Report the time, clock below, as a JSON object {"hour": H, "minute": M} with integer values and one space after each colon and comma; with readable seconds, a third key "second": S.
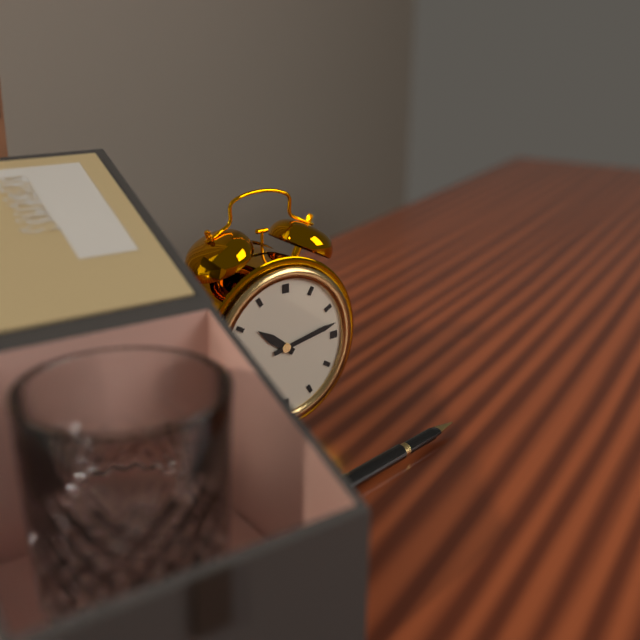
{"hour": 10, "minute": 13}
